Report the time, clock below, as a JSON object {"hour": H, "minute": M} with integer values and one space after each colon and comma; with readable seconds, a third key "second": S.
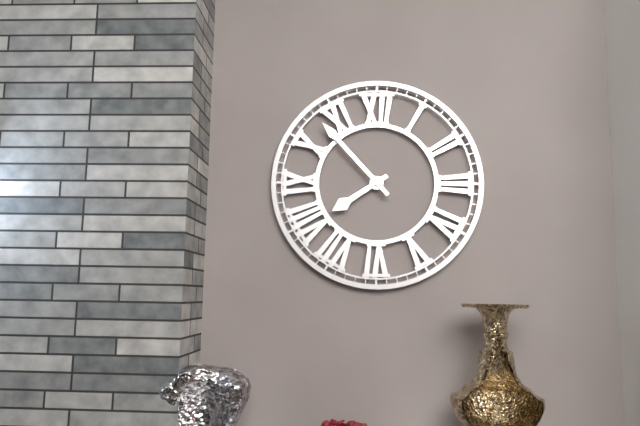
{"hour": 7, "minute": 53}
